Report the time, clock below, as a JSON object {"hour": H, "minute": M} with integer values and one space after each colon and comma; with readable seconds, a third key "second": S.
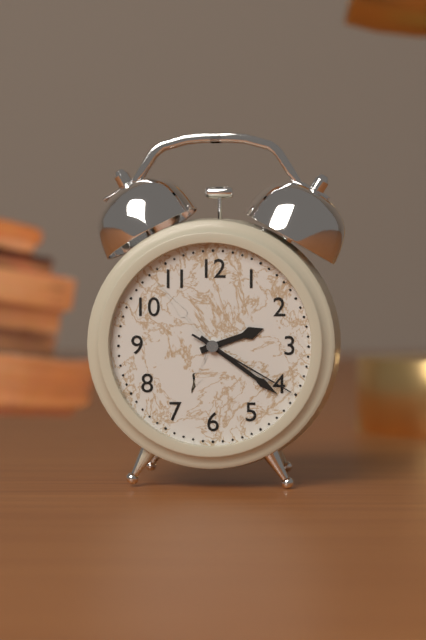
{"hour": 2, "minute": 21, "second": 20}
